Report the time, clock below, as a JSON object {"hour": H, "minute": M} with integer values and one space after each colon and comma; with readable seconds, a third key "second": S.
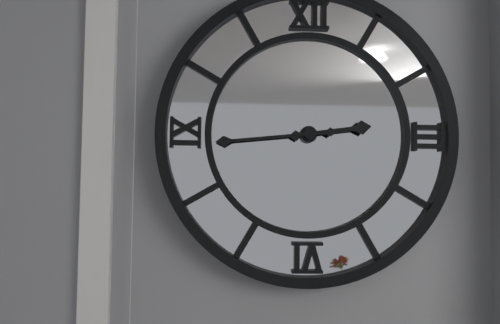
{"hour": 2, "minute": 44}
